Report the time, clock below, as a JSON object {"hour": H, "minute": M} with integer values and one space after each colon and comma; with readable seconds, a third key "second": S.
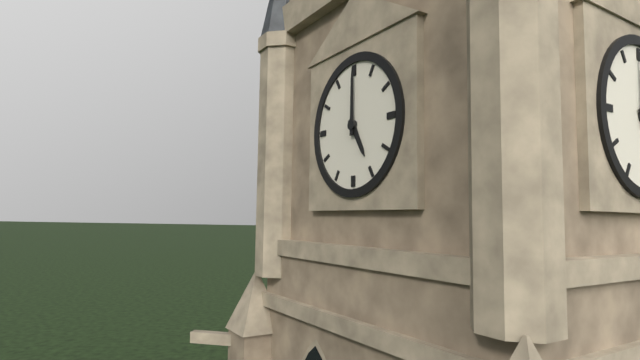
{"hour": 5, "minute": 0}
